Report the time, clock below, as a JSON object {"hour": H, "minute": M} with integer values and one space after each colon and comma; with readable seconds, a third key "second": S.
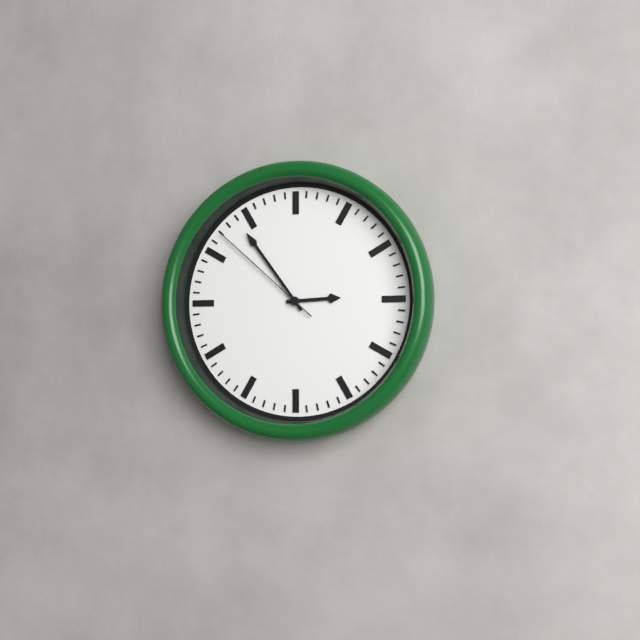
{"hour": 2, "minute": 54, "second": 52}
